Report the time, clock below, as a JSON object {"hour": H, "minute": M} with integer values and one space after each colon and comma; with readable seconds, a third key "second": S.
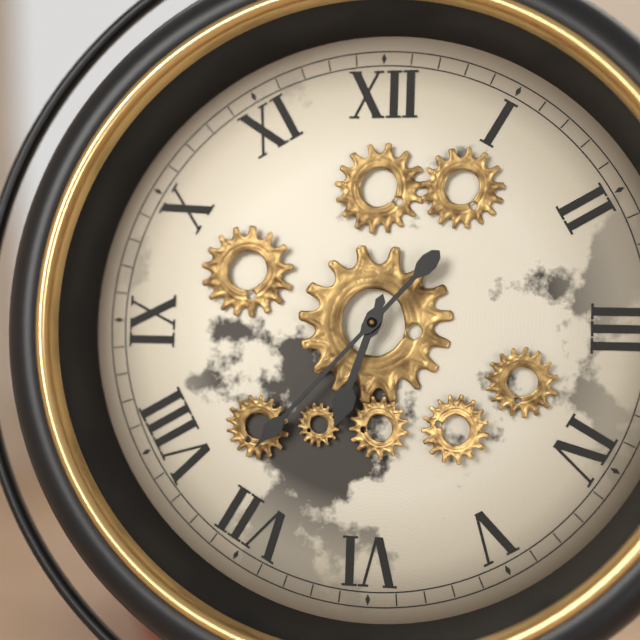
{"hour": 6, "minute": 37}
